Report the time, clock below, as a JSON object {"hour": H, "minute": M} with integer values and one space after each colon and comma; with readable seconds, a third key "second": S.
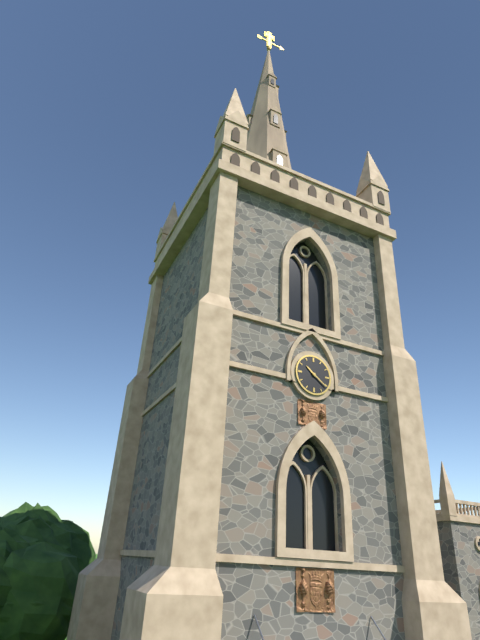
{"hour": 10, "minute": 21}
